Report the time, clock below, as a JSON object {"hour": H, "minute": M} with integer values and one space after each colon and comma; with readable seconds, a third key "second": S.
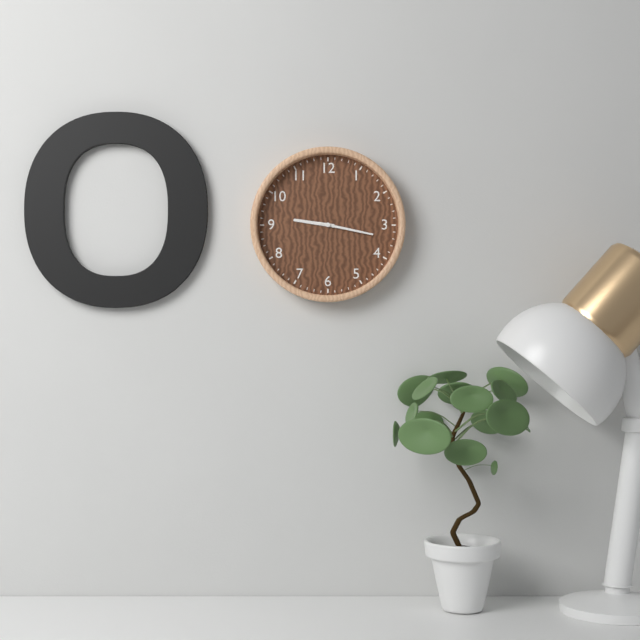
{"hour": 9, "minute": 17}
